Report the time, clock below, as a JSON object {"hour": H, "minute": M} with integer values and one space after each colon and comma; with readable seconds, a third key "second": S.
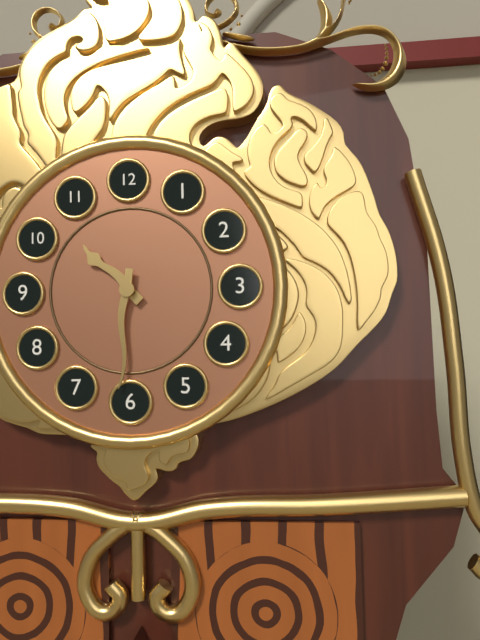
{"hour": 10, "minute": 31}
